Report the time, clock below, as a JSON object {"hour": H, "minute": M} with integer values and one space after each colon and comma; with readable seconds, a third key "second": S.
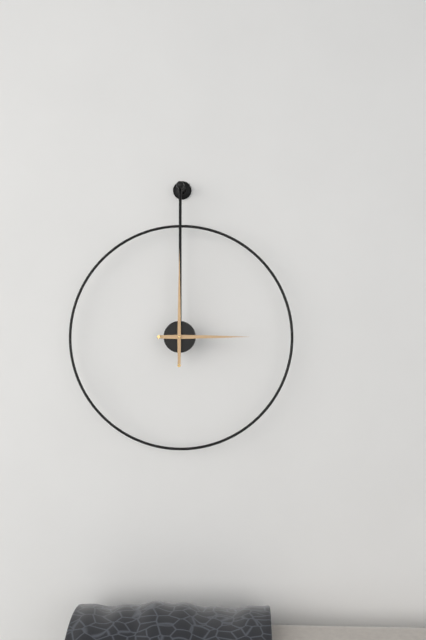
{"hour": 3, "minute": 0}
